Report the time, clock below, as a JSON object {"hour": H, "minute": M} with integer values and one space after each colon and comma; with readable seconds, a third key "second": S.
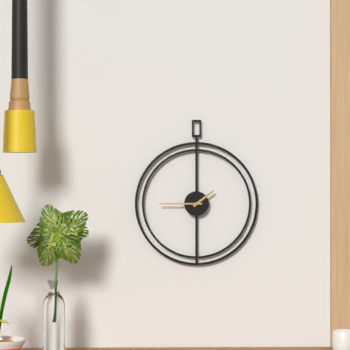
{"hour": 1, "minute": 45}
